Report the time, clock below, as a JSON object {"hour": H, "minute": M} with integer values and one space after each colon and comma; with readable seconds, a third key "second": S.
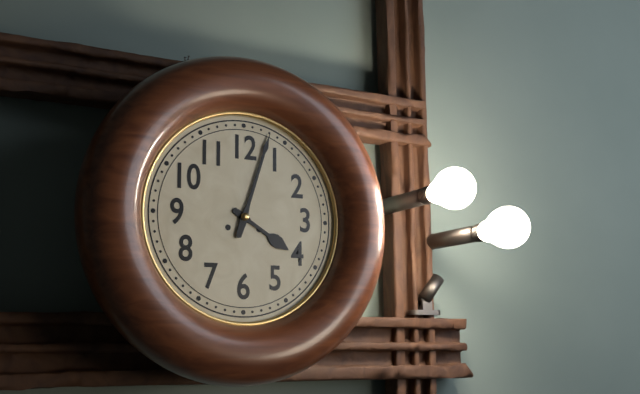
{"hour": 4, "minute": 3}
